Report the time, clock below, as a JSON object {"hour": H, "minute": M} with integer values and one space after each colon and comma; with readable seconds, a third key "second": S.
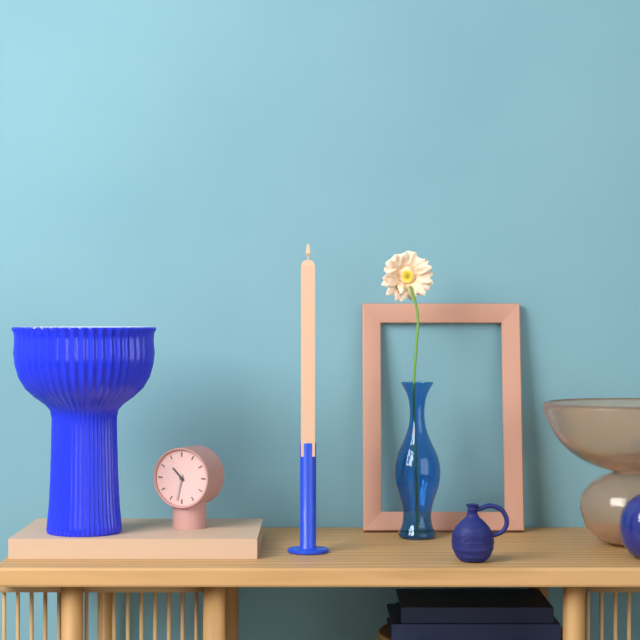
{"hour": 10, "minute": 32}
